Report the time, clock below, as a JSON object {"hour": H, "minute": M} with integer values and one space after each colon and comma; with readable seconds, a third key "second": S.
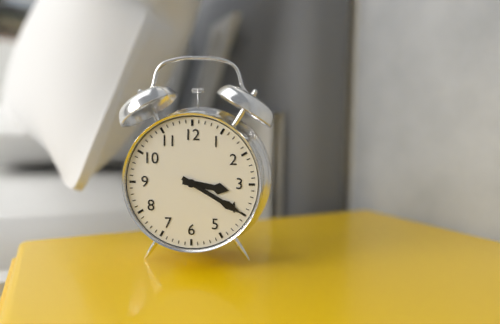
{"hour": 3, "minute": 20}
